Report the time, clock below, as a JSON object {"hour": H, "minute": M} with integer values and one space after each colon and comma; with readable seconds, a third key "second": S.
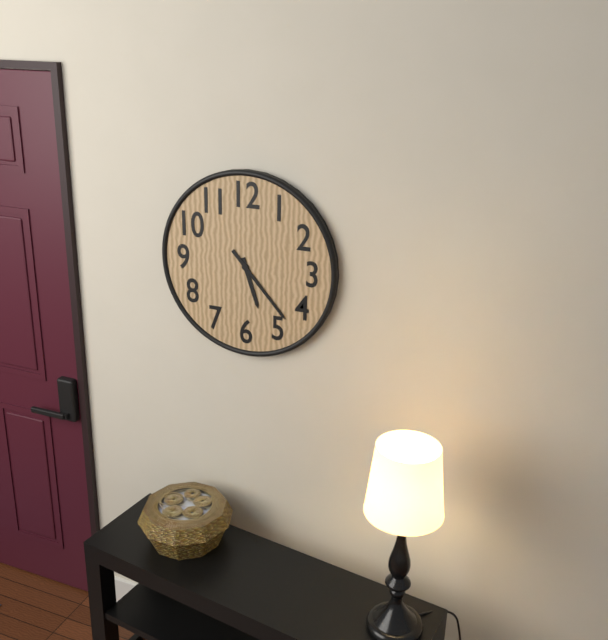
{"hour": 5, "minute": 23}
